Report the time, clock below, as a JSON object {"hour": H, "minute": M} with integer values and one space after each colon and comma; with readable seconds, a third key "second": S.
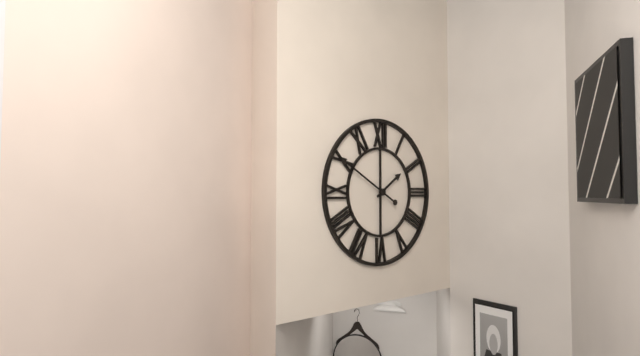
{"hour": 1, "minute": 50}
